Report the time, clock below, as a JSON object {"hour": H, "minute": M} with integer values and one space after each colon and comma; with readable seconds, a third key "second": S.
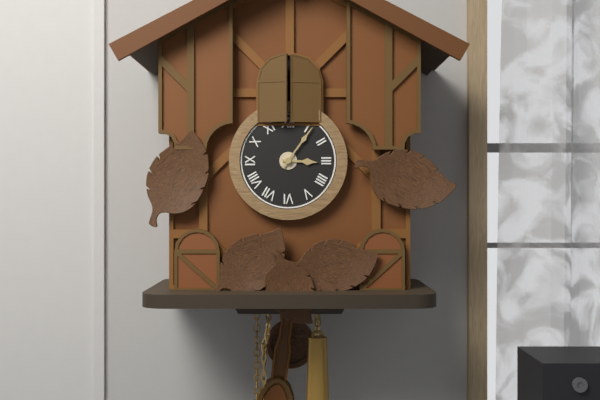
{"hour": 3, "minute": 6}
